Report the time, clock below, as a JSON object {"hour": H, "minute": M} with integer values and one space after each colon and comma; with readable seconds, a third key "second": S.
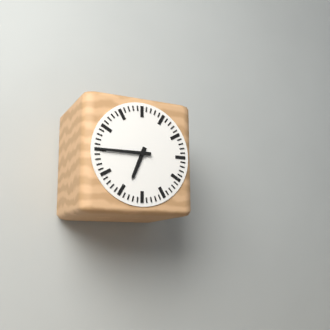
{"hour": 6, "minute": 45}
